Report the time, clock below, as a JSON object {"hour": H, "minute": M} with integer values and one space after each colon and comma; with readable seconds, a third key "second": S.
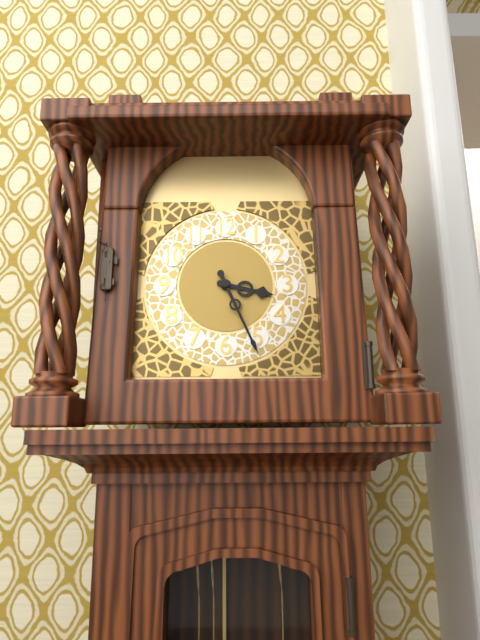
{"hour": 3, "minute": 26}
